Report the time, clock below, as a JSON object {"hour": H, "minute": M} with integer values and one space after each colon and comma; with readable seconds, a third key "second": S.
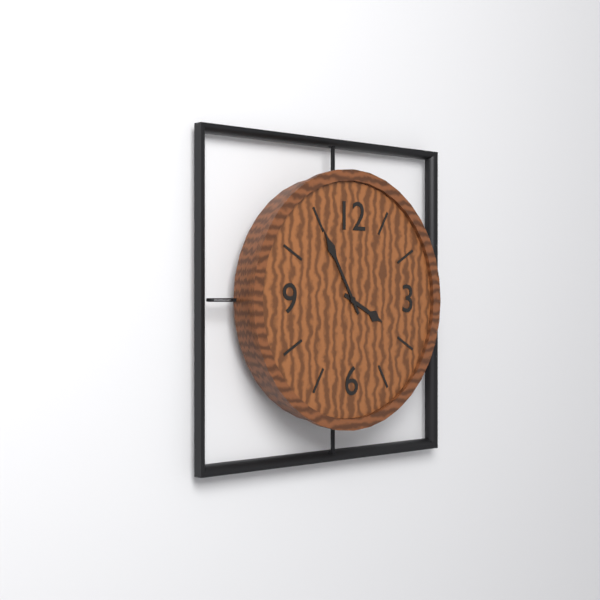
{"hour": 3, "minute": 55}
